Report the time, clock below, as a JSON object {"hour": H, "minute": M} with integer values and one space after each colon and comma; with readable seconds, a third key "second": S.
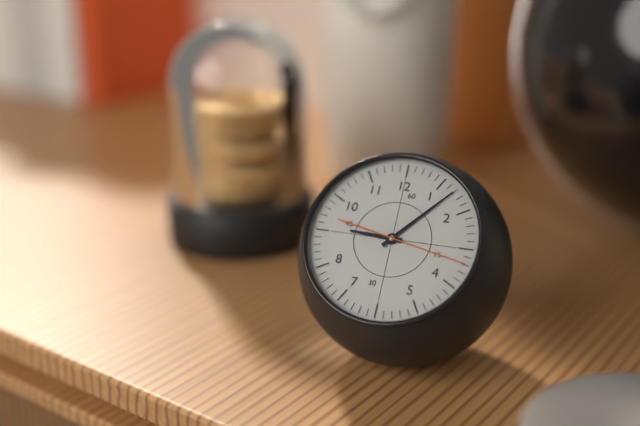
{"hour": 9, "minute": 7, "second": 17}
